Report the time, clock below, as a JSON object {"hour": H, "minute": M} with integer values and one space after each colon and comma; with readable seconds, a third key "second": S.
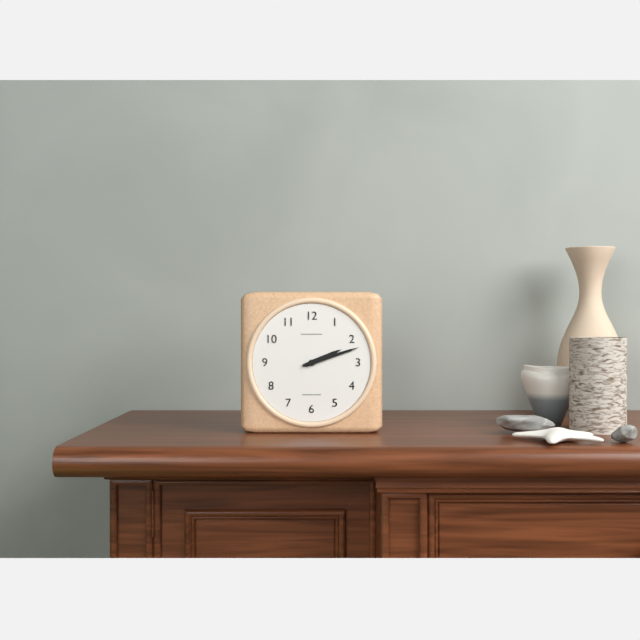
{"hour": 2, "minute": 12}
